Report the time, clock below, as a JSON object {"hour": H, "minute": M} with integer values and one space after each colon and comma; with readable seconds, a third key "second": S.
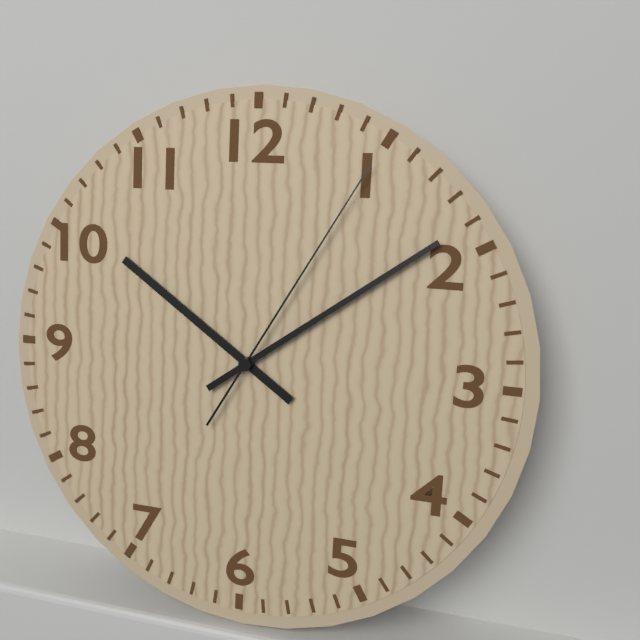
{"hour": 10, "minute": 9, "second": 5}
